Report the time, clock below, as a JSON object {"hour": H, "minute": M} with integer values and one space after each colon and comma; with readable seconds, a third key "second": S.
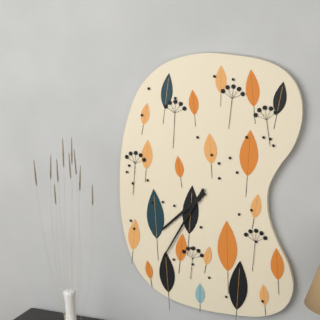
{"hour": 7, "minute": 35}
